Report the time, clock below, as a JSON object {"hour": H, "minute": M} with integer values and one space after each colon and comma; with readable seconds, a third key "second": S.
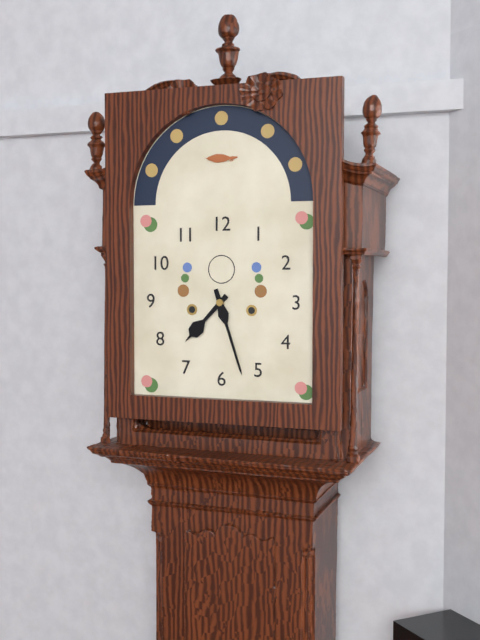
{"hour": 7, "minute": 27}
